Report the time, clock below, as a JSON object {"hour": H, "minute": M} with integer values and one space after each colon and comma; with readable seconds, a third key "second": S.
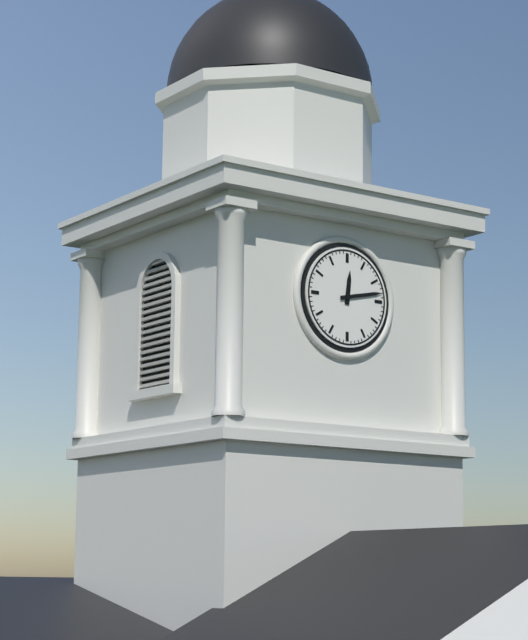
{"hour": 12, "minute": 13}
